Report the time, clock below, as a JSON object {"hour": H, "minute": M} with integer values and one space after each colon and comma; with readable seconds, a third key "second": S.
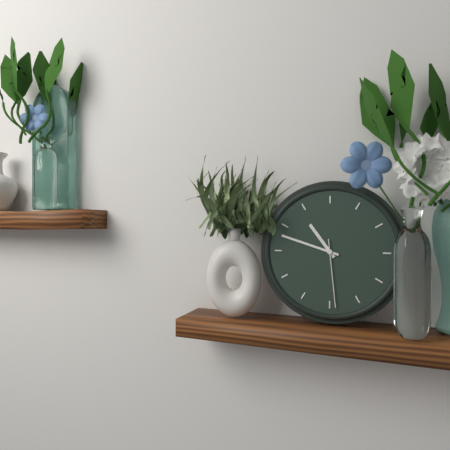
{"hour": 10, "minute": 48, "second": 29}
